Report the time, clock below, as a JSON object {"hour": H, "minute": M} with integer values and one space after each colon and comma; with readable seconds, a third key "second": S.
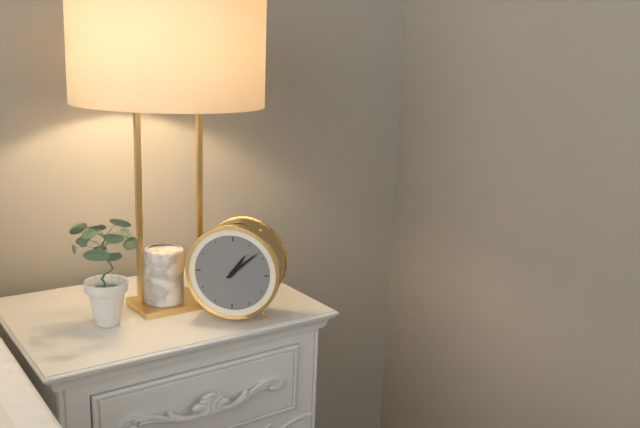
{"hour": 1, "minute": 8}
